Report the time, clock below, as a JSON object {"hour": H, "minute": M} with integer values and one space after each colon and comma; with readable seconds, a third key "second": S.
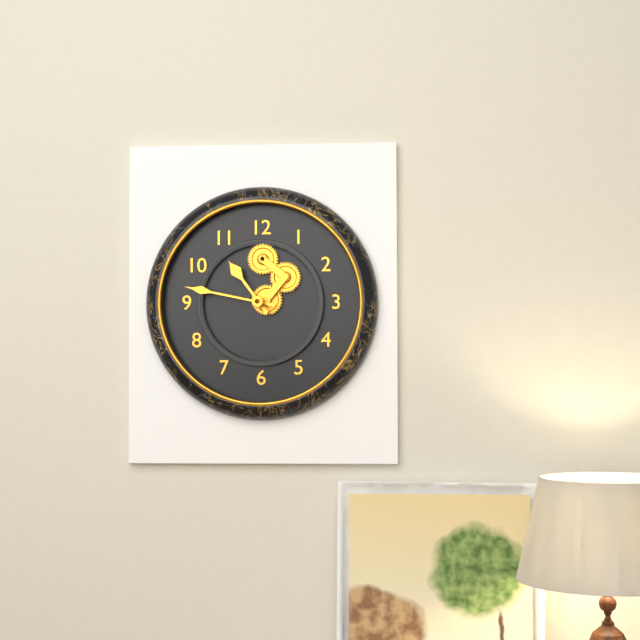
{"hour": 10, "minute": 47}
